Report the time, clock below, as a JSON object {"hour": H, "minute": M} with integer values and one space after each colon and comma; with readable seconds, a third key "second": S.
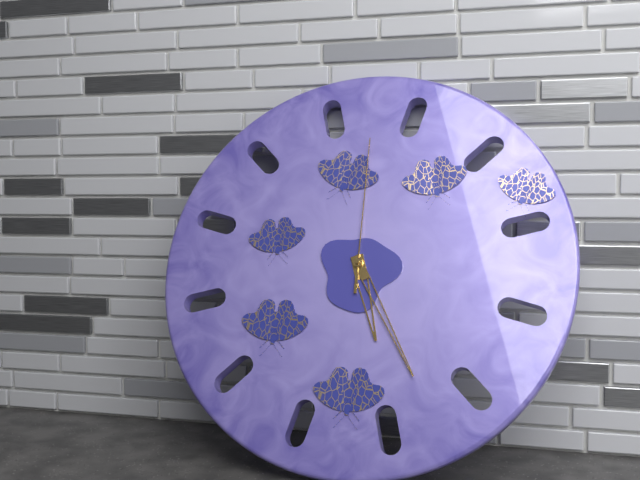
{"hour": 5, "minute": 25, "second": 0}
